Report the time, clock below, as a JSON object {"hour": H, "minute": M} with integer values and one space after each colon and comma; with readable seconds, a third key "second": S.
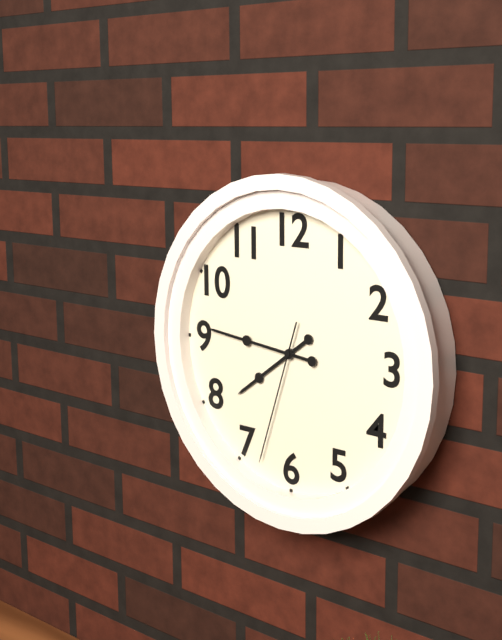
{"hour": 7, "minute": 46, "second": 33}
